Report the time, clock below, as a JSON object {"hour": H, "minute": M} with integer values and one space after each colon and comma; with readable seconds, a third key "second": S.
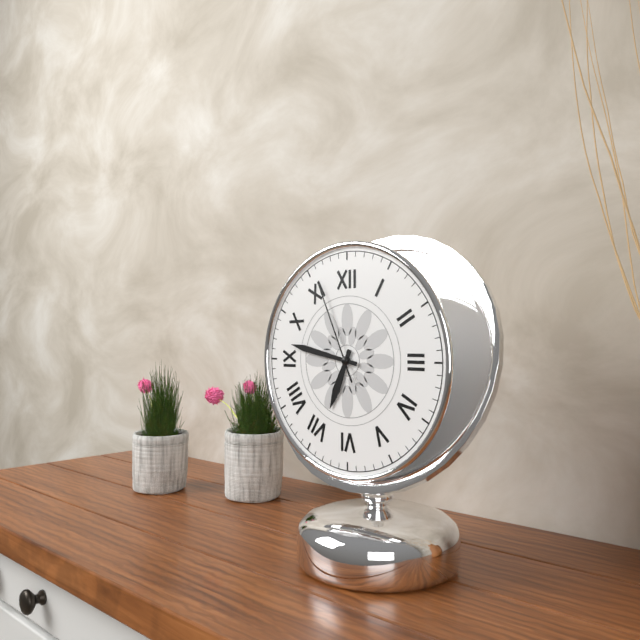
{"hour": 6, "minute": 47, "second": 56}
